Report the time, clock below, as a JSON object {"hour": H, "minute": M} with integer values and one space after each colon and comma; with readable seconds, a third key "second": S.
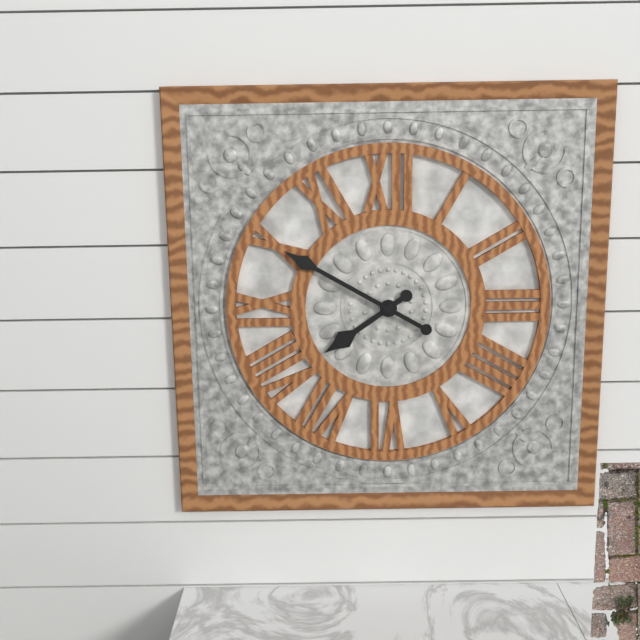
{"hour": 7, "minute": 50}
